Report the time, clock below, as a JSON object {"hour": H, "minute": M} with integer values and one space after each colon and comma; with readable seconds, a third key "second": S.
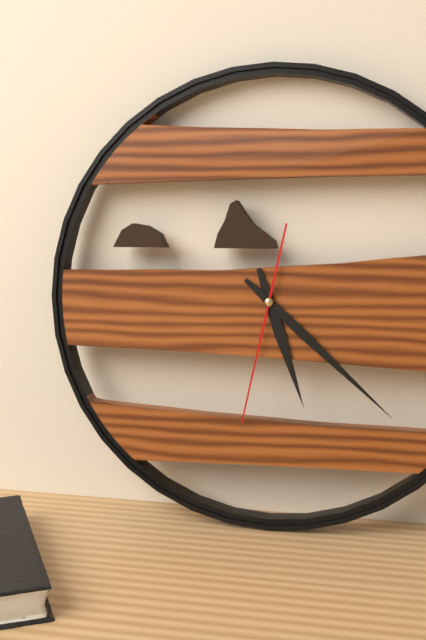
{"hour": 5, "minute": 22, "second": 32}
